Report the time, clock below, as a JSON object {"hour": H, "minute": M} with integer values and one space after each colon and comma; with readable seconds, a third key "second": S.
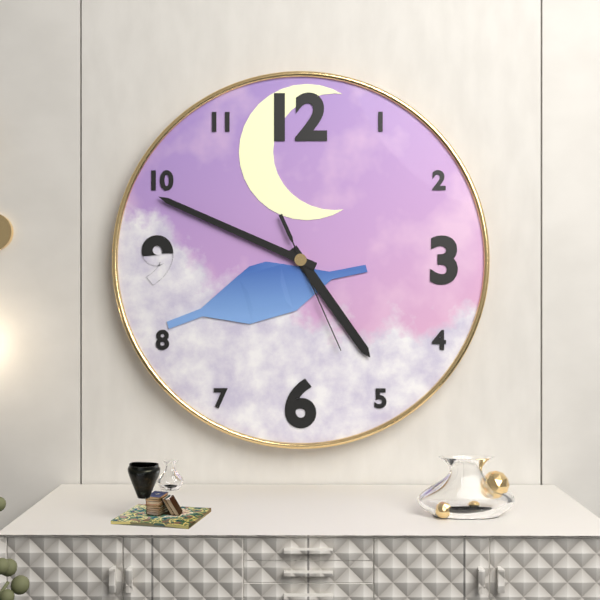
{"hour": 4, "minute": 49, "second": 26}
